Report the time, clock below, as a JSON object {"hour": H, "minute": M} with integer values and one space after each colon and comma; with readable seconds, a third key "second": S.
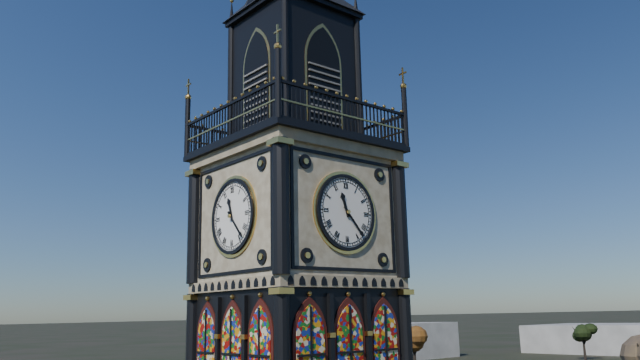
{"hour": 11, "minute": 23}
